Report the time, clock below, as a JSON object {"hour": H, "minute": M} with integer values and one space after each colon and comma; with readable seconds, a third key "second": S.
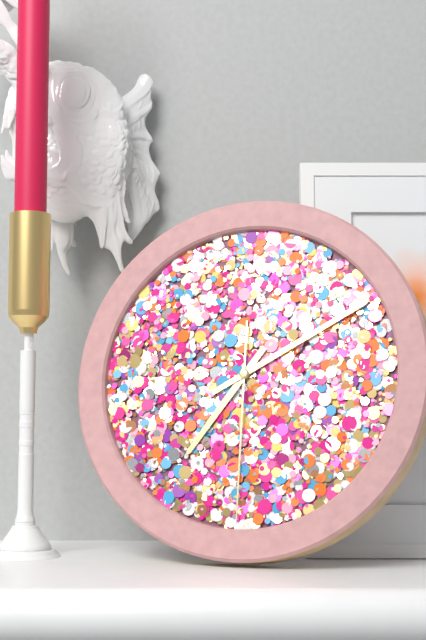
{"hour": 7, "minute": 10, "second": 30}
